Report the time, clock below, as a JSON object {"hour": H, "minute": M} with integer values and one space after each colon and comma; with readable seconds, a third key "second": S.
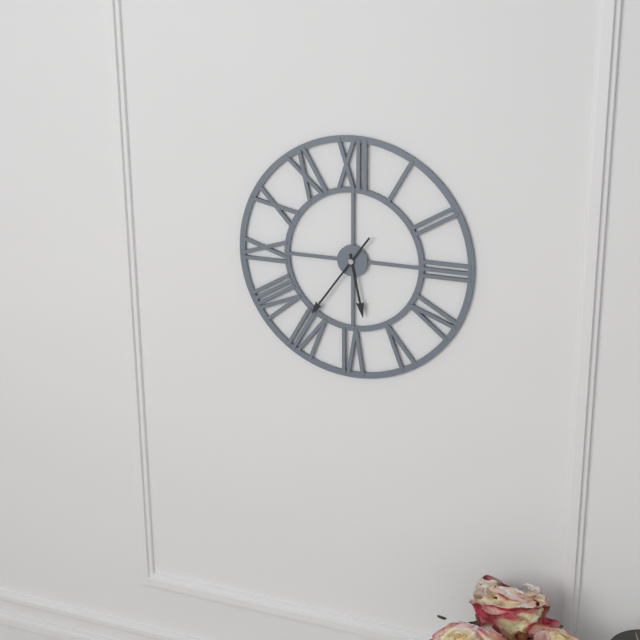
{"hour": 5, "minute": 36}
